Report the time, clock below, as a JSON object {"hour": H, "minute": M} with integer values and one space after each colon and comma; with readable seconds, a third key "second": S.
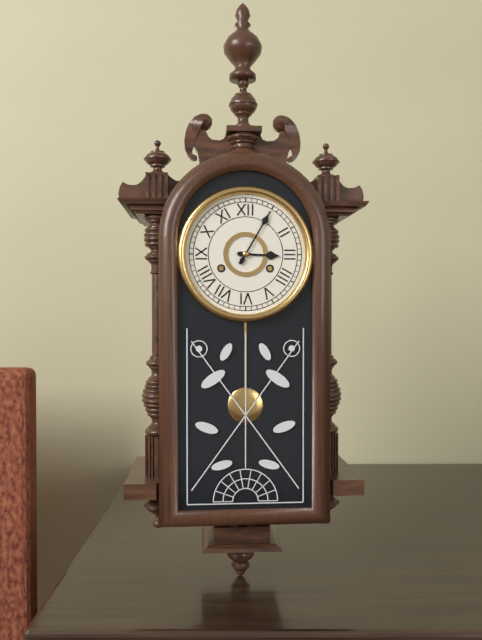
{"hour": 3, "minute": 5}
